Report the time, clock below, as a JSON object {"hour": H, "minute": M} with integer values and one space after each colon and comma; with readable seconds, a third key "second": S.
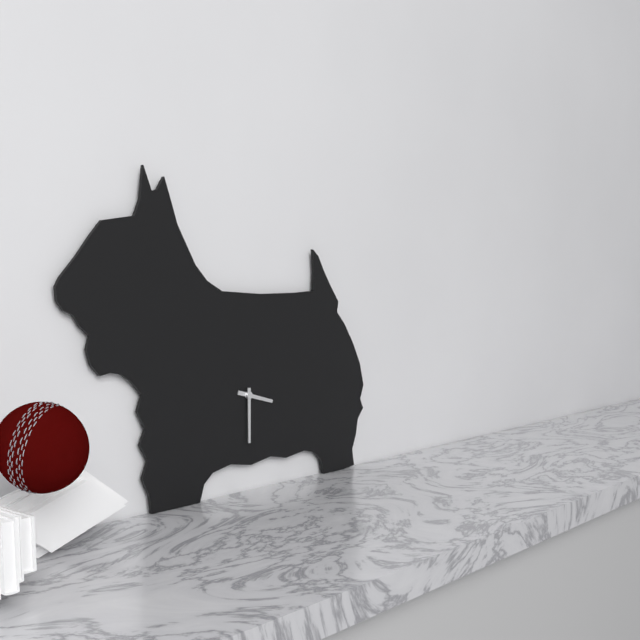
{"hour": 3, "minute": 30}
